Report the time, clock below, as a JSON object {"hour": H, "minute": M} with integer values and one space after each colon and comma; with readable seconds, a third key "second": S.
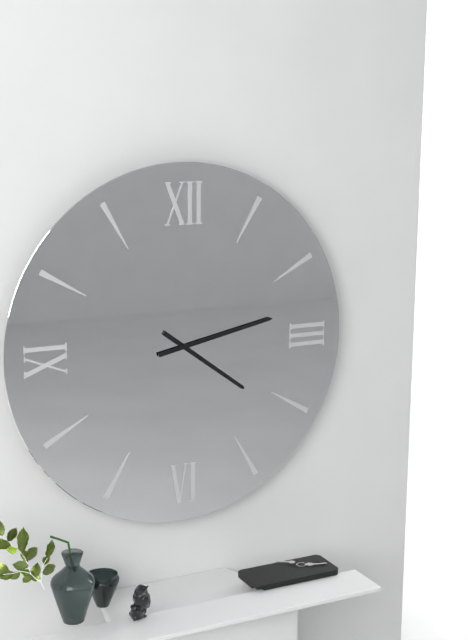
{"hour": 4, "minute": 13}
